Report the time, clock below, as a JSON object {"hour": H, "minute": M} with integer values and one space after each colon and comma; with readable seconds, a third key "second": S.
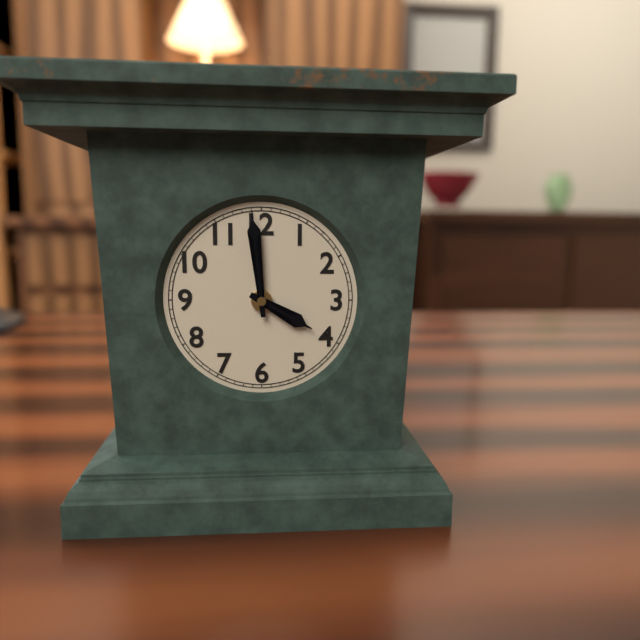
{"hour": 3, "minute": 59}
